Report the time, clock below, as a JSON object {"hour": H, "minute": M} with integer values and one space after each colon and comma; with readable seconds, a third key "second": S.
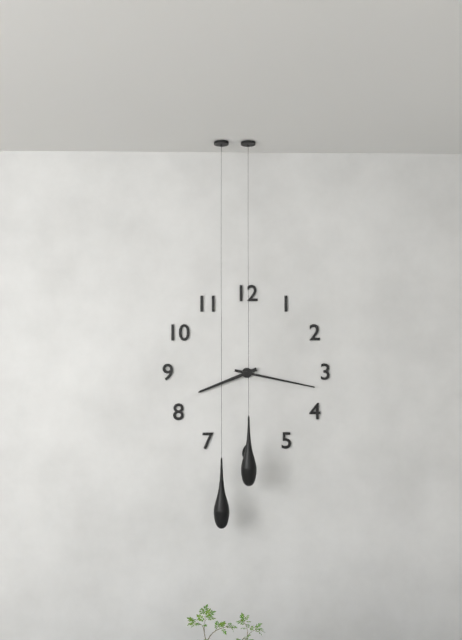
{"hour": 8, "minute": 17}
